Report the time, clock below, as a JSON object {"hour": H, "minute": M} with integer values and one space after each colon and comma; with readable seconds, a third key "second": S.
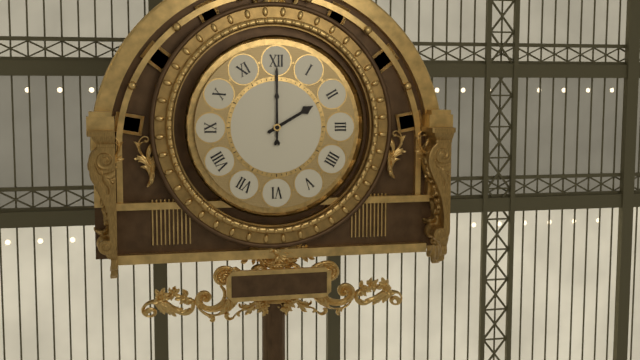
{"hour": 2, "minute": 0}
